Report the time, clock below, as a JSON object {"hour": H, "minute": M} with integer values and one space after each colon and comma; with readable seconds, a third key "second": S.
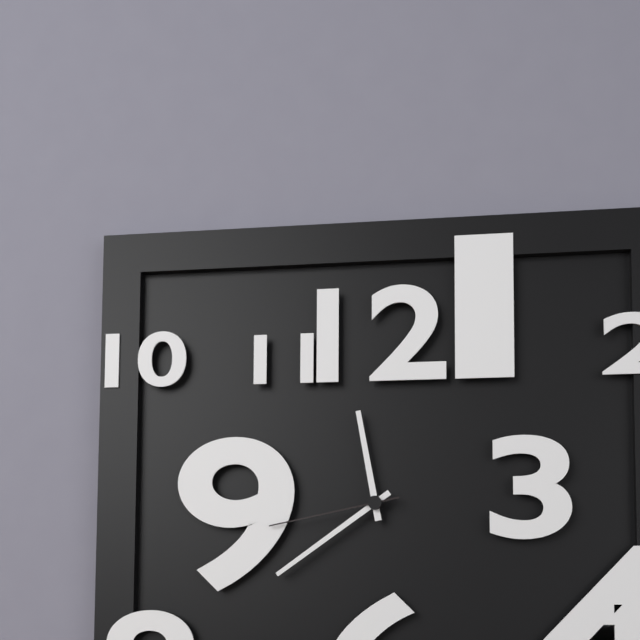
{"hour": 11, "minute": 39, "second": 43}
